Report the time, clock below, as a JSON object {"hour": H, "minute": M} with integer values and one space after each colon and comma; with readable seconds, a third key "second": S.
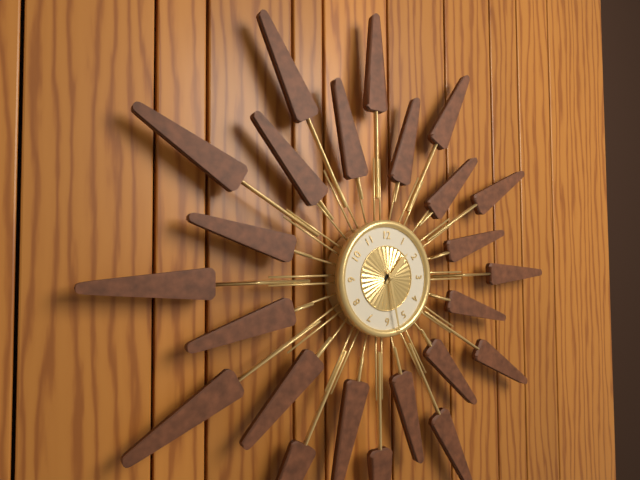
{"hour": 1, "minute": 28}
